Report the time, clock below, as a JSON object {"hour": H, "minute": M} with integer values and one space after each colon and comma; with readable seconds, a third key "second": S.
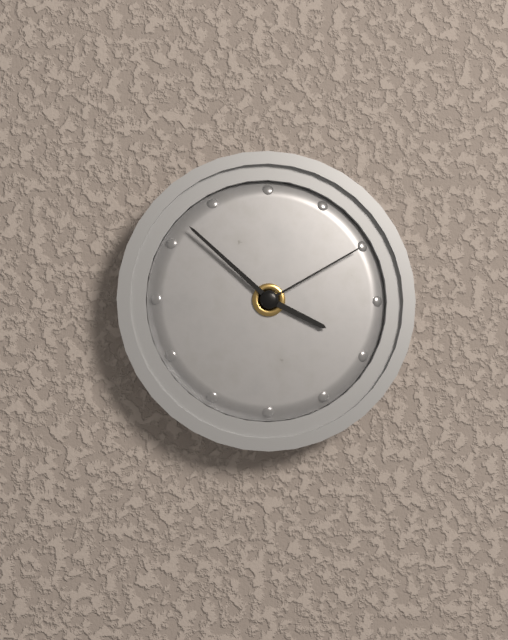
{"hour": 3, "minute": 52, "second": 10}
